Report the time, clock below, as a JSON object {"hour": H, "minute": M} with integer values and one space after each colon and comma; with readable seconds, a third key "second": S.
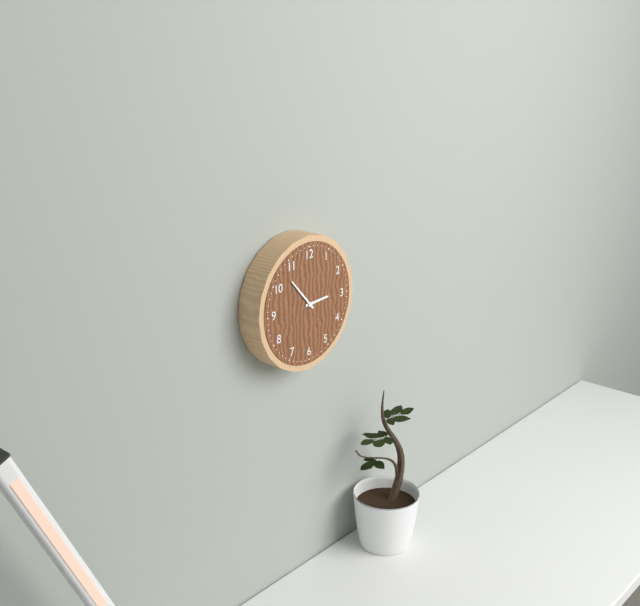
{"hour": 2, "minute": 53}
